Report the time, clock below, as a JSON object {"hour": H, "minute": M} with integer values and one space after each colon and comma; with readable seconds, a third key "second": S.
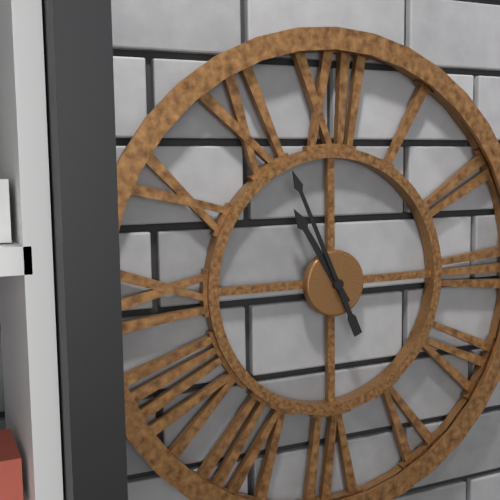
{"hour": 10, "minute": 56}
